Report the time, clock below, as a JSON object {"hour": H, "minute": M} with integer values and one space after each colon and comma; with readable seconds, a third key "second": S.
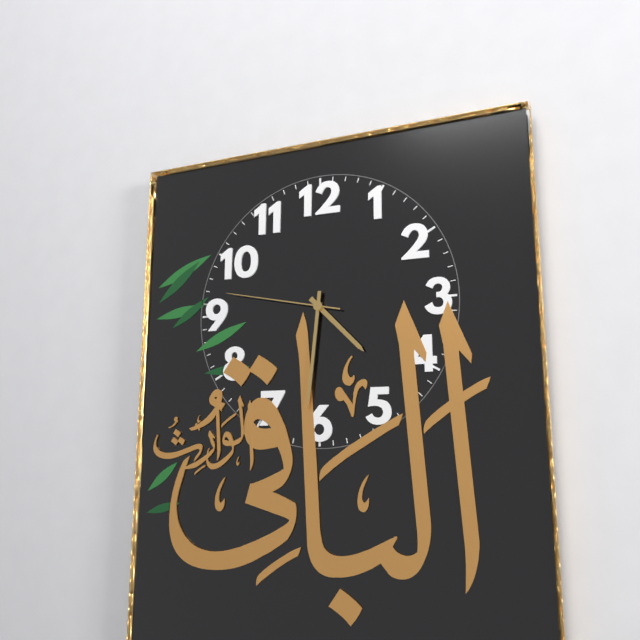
{"hour": 4, "minute": 31, "second": 47}
